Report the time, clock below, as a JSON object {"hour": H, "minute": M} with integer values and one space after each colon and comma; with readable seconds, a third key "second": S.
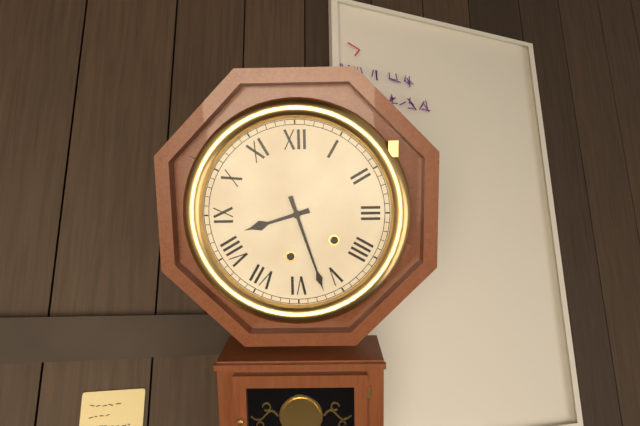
{"hour": 8, "minute": 27}
